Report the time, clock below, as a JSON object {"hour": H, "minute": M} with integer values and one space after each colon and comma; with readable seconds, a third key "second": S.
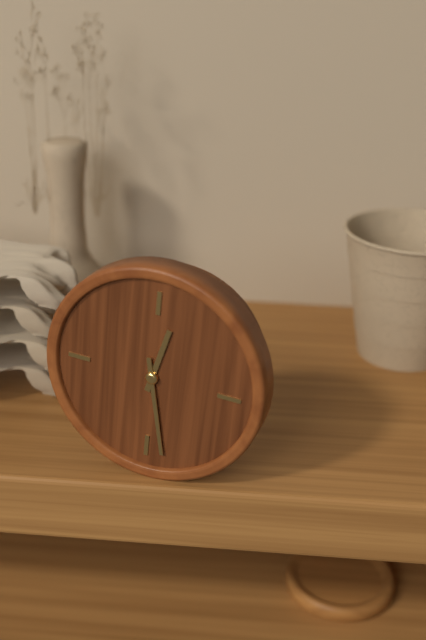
{"hour": 12, "minute": 28}
